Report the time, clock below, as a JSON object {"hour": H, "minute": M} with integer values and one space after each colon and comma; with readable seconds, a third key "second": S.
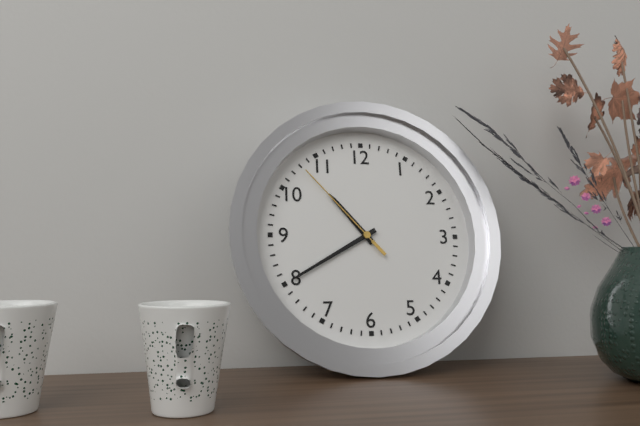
{"hour": 10, "minute": 40, "second": 53}
